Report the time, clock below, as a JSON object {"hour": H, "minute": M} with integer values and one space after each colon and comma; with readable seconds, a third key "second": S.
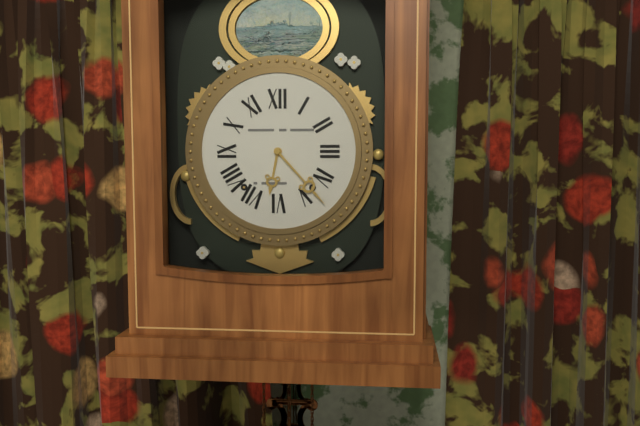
{"hour": 6, "minute": 23}
